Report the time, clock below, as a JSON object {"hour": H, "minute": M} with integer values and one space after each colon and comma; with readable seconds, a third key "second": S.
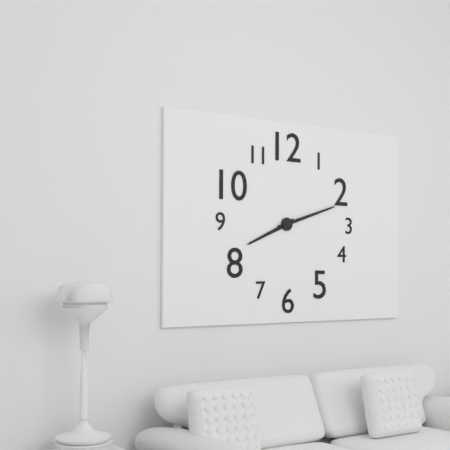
{"hour": 8, "minute": 12}
